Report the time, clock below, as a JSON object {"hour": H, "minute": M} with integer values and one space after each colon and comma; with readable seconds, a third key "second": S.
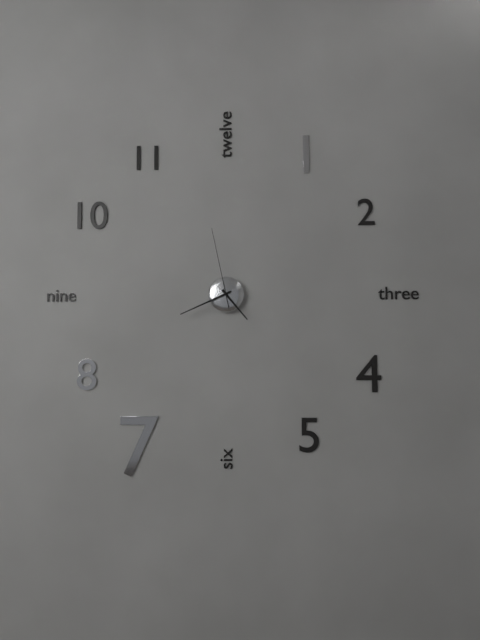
{"hour": 4, "minute": 41, "second": 58}
